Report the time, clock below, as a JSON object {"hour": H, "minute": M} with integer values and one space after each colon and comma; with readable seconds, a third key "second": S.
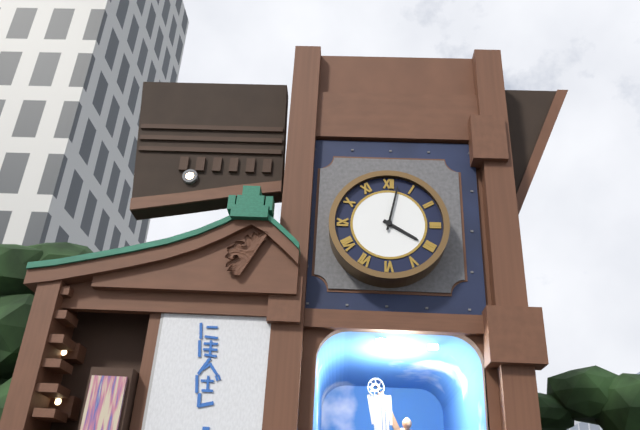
{"hour": 4, "minute": 2}
